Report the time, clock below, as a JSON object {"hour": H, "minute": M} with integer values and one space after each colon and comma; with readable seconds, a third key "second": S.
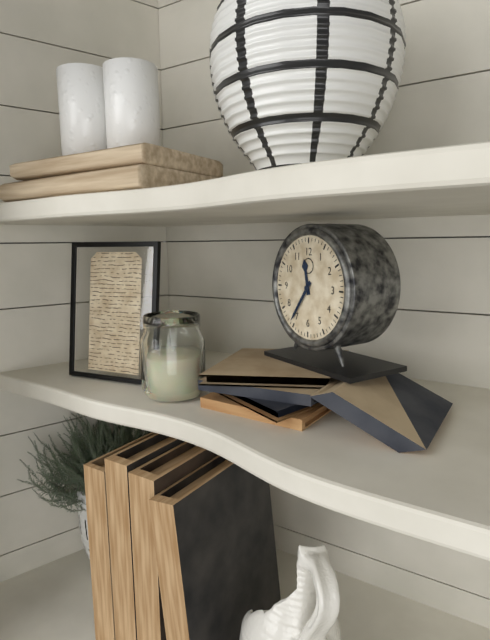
{"hour": 11, "minute": 36}
